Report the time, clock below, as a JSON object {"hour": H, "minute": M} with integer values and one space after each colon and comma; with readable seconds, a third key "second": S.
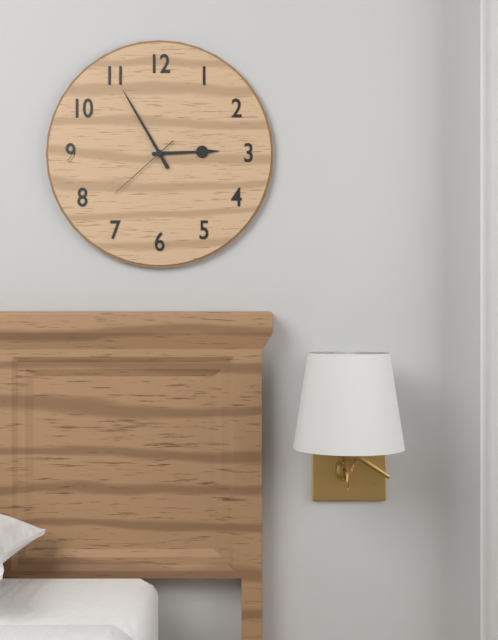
{"hour": 2, "minute": 55, "second": 38}
